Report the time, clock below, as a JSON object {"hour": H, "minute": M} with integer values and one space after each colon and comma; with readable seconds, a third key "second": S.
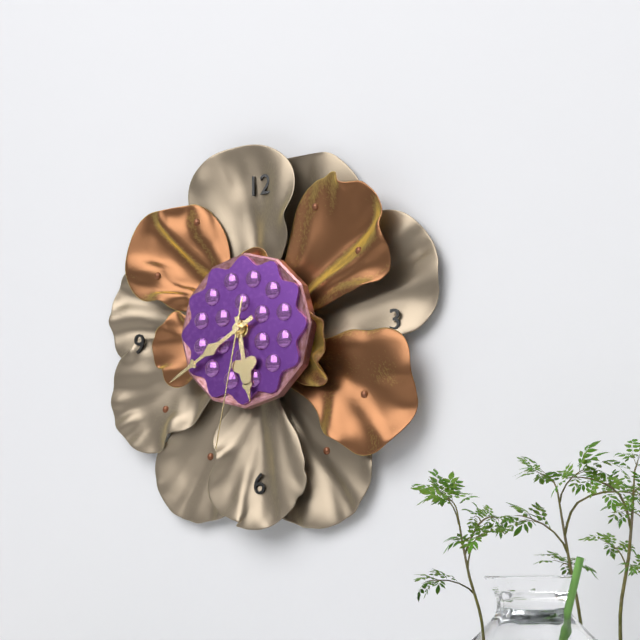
{"hour": 5, "minute": 40, "second": 32}
